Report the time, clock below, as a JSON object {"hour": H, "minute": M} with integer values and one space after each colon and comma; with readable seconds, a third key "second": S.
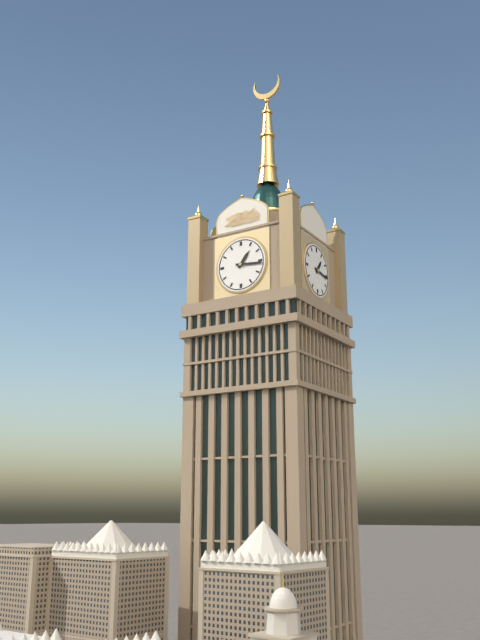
{"hour": 1, "minute": 16}
